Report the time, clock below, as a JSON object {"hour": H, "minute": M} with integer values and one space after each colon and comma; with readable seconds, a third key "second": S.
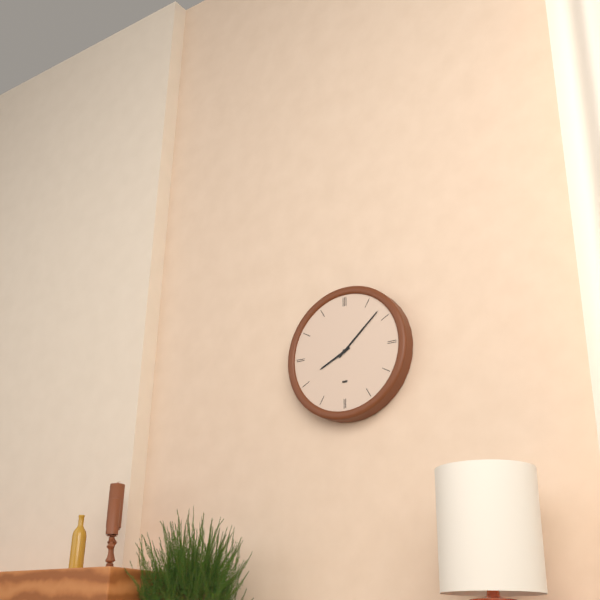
{"hour": 8, "minute": 8}
